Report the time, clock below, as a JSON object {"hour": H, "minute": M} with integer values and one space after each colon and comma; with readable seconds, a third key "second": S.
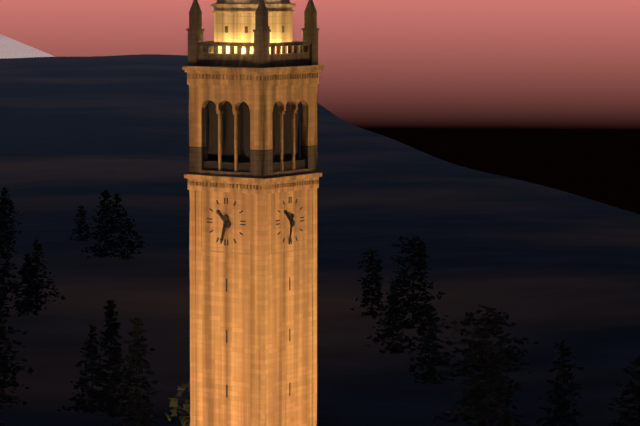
{"hour": 10, "minute": 32}
